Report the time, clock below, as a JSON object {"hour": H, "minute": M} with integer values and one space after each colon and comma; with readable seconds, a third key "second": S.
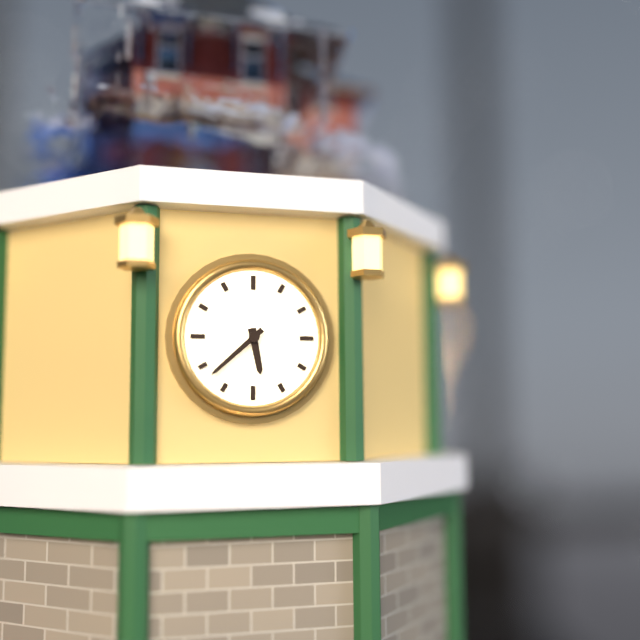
{"hour": 5, "minute": 38}
